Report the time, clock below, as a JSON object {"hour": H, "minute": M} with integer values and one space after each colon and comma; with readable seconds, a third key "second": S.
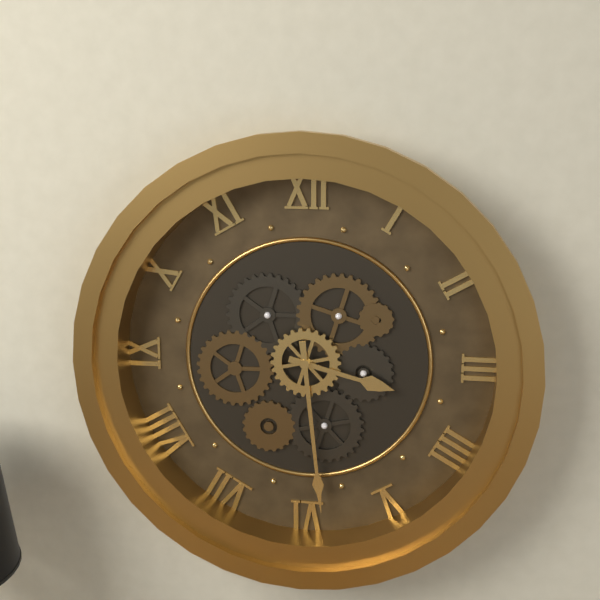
{"hour": 3, "minute": 29}
